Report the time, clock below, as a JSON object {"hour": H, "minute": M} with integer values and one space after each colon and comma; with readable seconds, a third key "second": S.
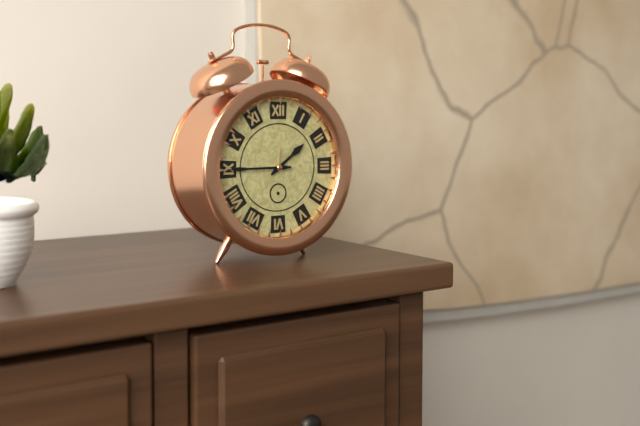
{"hour": 1, "minute": 45}
